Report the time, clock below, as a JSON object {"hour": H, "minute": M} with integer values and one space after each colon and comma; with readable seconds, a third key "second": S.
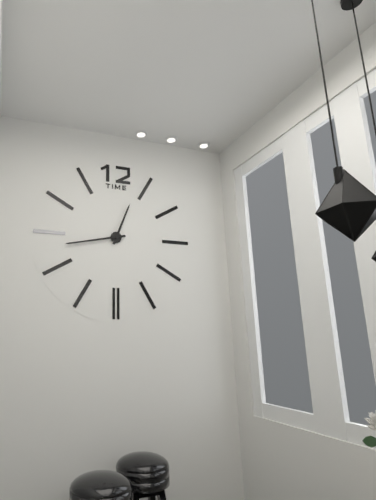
{"hour": 12, "minute": 43}
